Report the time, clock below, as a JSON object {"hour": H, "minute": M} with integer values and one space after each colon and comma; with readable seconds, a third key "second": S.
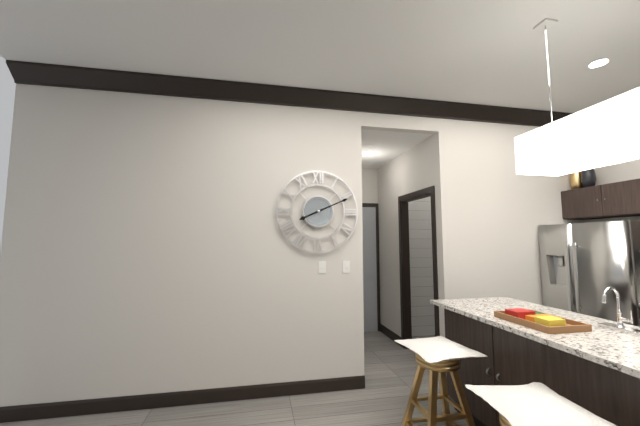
{"hour": 8, "minute": 11}
